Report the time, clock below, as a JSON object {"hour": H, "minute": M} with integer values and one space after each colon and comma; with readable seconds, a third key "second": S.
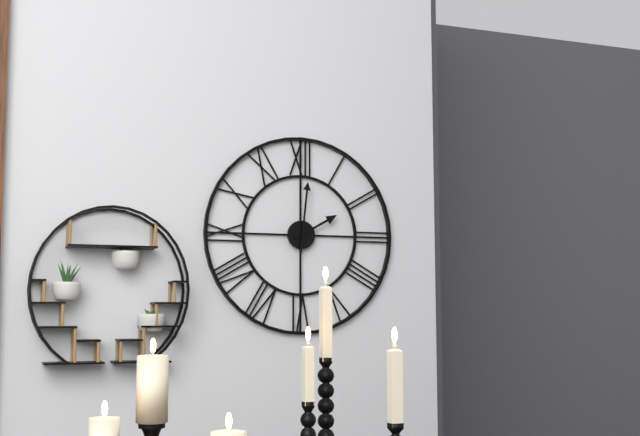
{"hour": 2, "minute": 1}
